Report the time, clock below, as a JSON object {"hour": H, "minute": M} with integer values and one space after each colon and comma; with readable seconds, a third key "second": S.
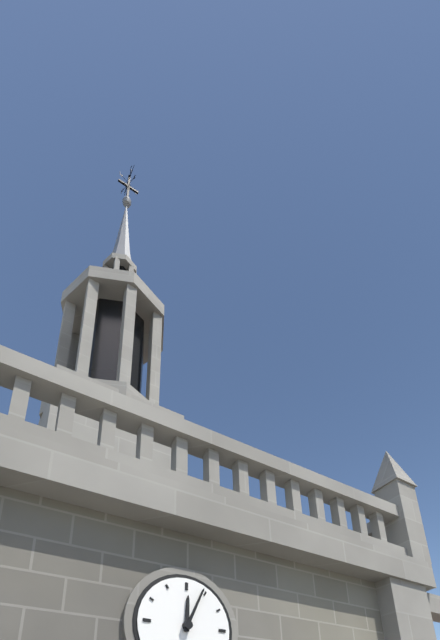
{"hour": 12, "minute": 4}
